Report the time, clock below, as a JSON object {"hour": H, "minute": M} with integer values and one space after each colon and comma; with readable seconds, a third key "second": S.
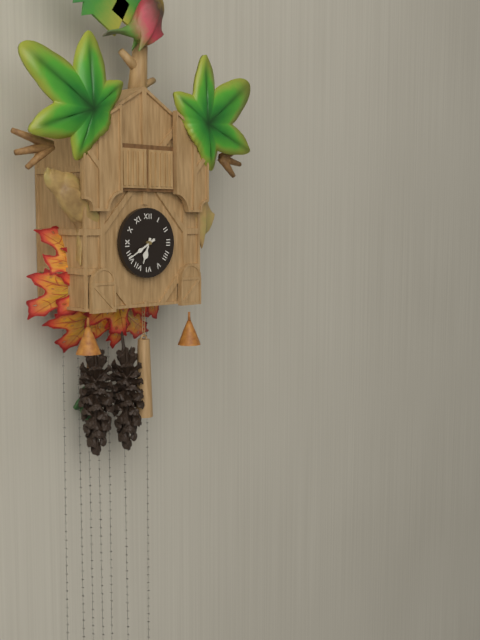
{"hour": 6, "minute": 40}
